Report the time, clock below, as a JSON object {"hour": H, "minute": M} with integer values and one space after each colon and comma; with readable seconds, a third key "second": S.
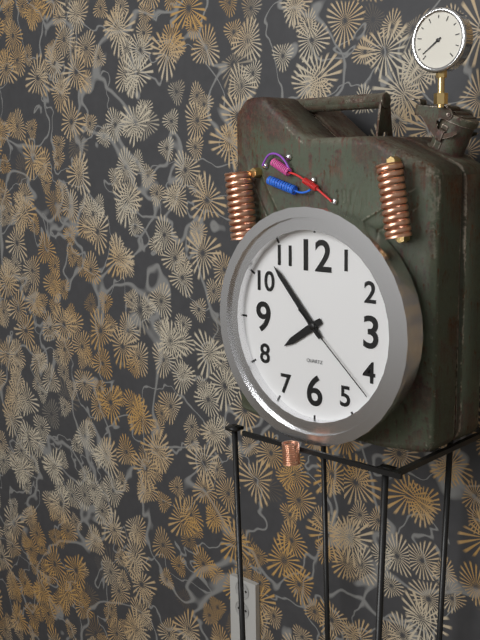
{"hour": 7, "minute": 53, "second": 22}
